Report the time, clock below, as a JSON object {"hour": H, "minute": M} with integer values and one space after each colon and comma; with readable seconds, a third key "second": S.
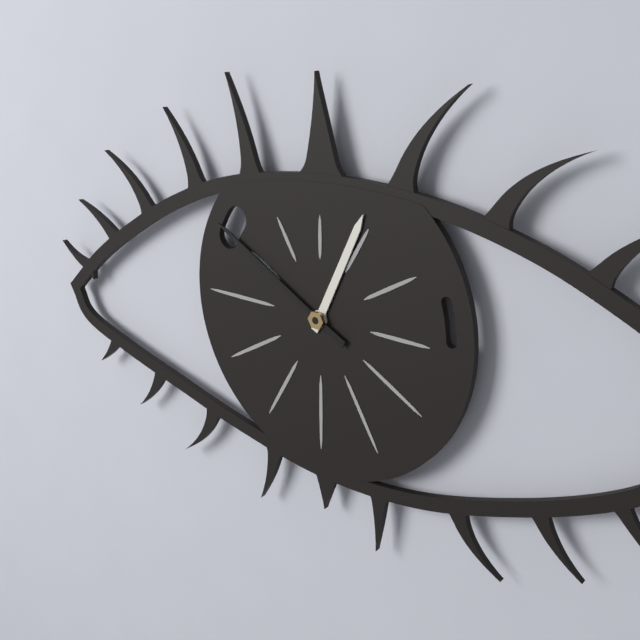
{"hour": 12, "minute": 50}
